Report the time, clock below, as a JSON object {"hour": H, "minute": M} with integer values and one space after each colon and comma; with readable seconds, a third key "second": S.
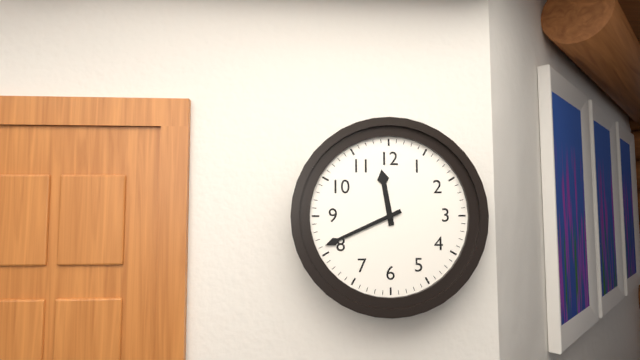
{"hour": 11, "minute": 41}
